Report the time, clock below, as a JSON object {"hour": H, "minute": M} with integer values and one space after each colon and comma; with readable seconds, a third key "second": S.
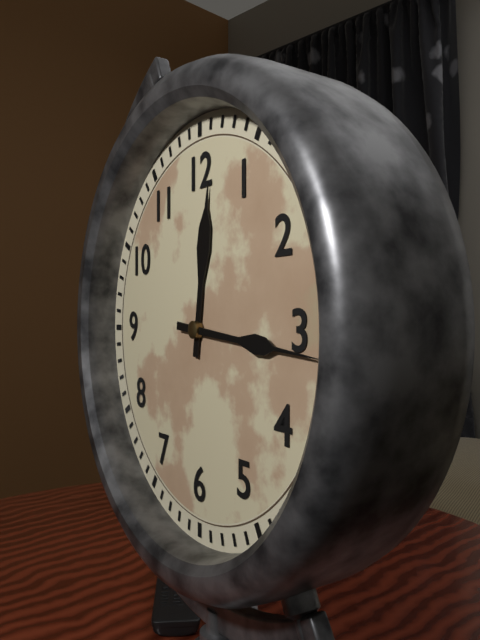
{"hour": 12, "minute": 16}
